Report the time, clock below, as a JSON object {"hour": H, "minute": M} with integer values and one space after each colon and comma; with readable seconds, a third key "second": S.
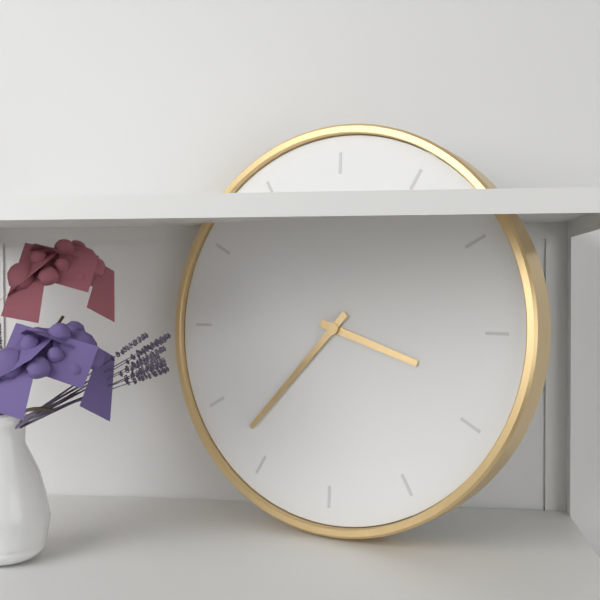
{"hour": 3, "minute": 37}
